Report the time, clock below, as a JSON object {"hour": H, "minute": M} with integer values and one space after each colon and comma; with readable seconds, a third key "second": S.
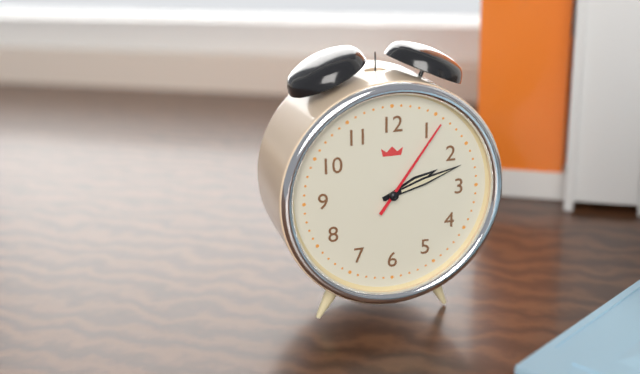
{"hour": 2, "minute": 12, "second": 6}
